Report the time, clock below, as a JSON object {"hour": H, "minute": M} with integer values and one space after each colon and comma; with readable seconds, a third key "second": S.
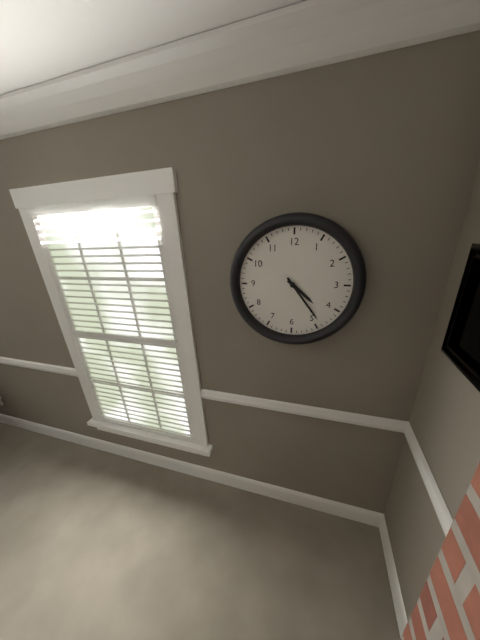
{"hour": 4, "minute": 24}
